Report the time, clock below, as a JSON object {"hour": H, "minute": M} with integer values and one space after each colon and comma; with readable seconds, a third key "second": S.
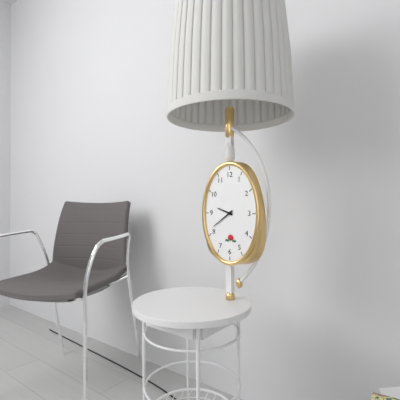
{"hour": 9, "minute": 39}
